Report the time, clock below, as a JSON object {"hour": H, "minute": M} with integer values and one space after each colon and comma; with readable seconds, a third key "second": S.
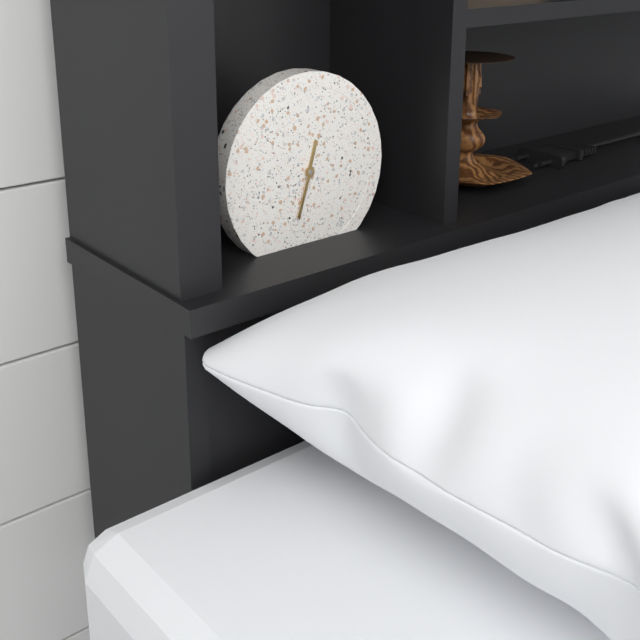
{"hour": 12, "minute": 33}
